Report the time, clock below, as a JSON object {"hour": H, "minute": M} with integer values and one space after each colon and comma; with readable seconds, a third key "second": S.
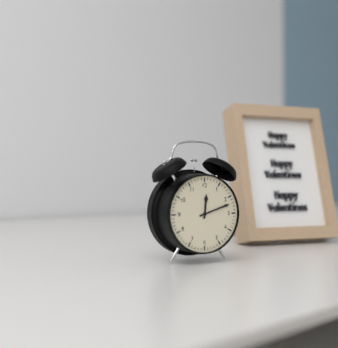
{"hour": 12, "minute": 12}
